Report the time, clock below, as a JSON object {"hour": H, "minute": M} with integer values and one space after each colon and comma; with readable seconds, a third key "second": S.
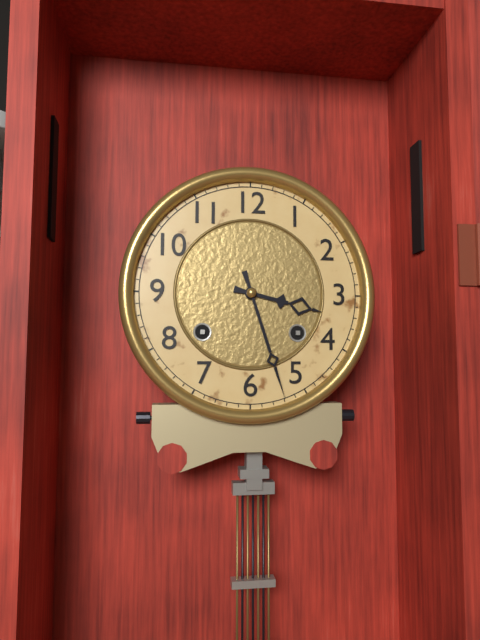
{"hour": 3, "minute": 27}
